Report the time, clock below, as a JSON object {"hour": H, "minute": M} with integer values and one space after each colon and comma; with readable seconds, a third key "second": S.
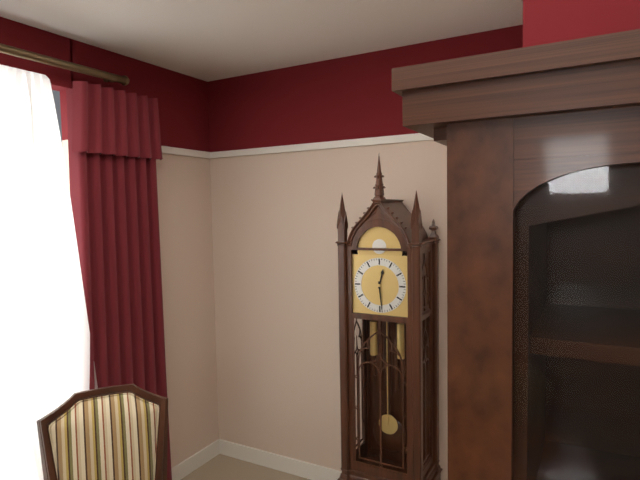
{"hour": 12, "minute": 29}
